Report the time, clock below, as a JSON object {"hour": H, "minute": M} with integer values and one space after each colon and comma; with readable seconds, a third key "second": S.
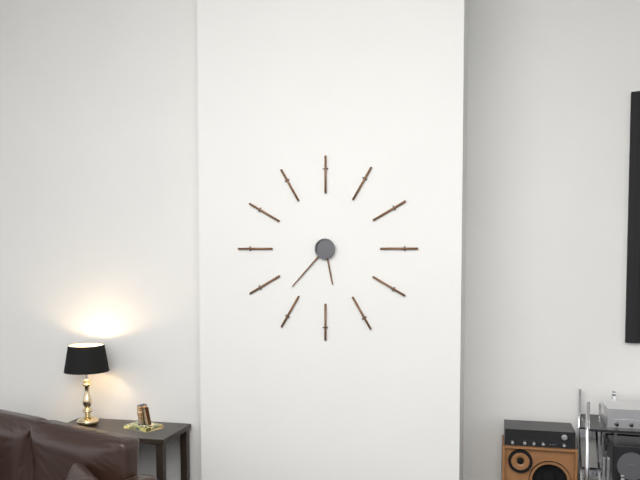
{"hour": 5, "minute": 37}
